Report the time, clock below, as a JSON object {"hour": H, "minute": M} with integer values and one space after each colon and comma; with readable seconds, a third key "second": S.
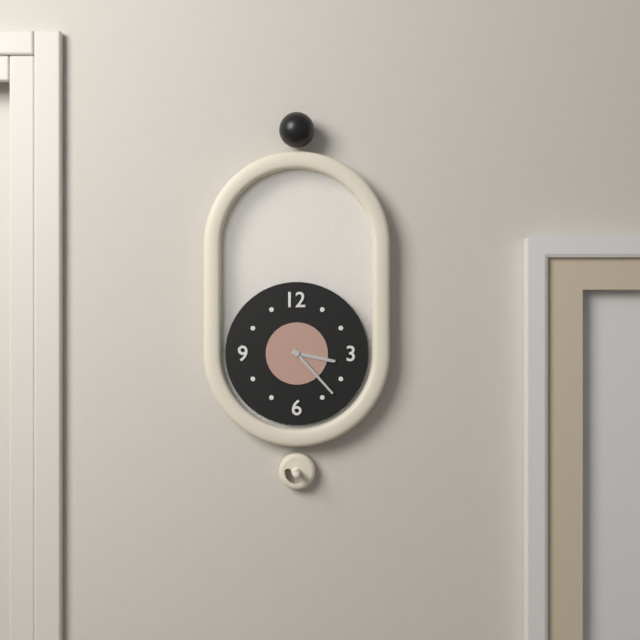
{"hour": 3, "minute": 23}
